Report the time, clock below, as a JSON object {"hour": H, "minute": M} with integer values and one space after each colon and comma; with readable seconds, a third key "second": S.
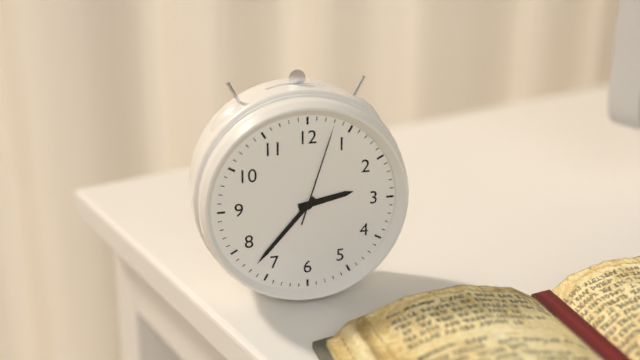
{"hour": 2, "minute": 37, "second": 3}
